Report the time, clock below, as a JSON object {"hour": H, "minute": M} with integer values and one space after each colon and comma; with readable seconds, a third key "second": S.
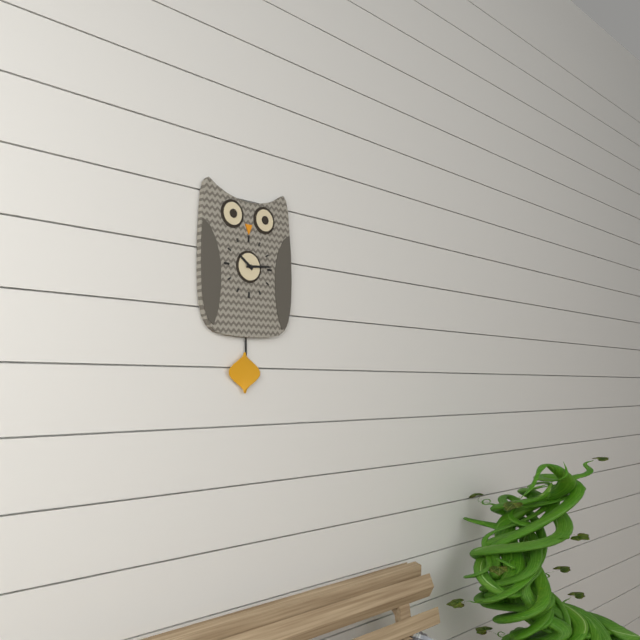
{"hour": 10, "minute": 14}
